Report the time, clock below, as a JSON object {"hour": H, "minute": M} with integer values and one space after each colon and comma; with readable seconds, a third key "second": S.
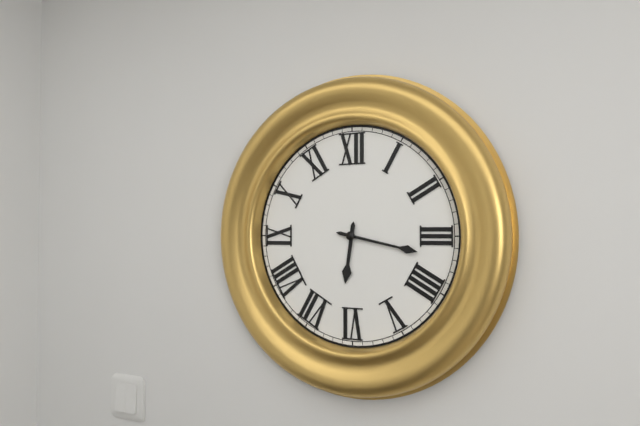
{"hour": 6, "minute": 17}
